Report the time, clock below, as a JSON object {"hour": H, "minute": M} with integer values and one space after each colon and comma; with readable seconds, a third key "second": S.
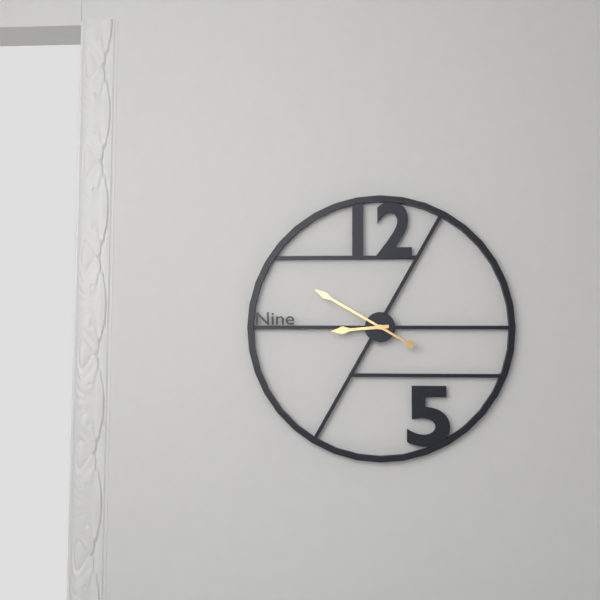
{"hour": 8, "minute": 50}
